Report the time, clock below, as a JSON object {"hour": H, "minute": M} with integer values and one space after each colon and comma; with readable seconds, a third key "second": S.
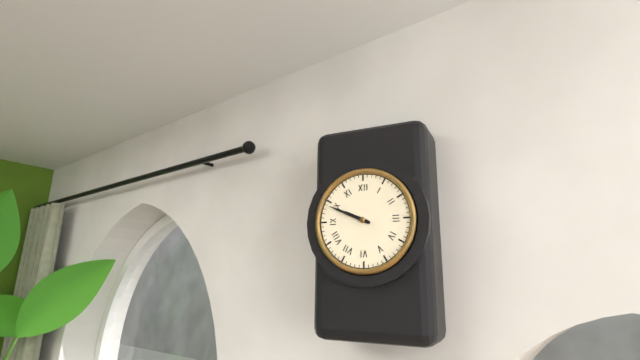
{"hour": 9, "minute": 49}
